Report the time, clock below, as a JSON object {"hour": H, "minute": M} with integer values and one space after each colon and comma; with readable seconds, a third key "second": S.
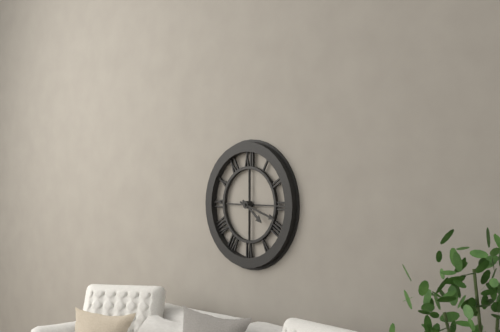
{"hour": 4, "minute": 18}
